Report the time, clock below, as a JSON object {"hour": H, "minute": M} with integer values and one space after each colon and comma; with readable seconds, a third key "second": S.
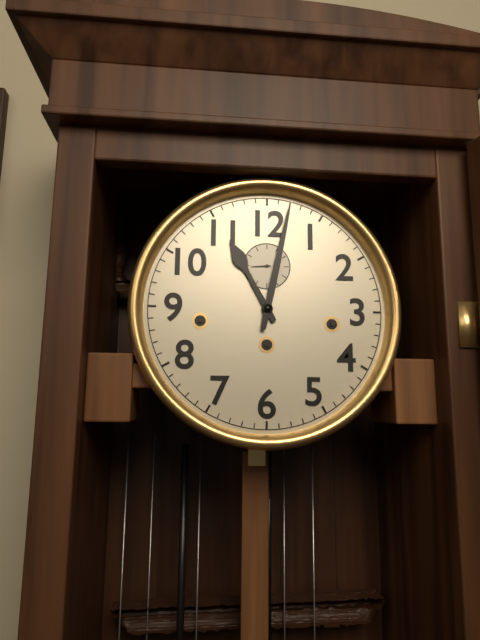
{"hour": 11, "minute": 2}
